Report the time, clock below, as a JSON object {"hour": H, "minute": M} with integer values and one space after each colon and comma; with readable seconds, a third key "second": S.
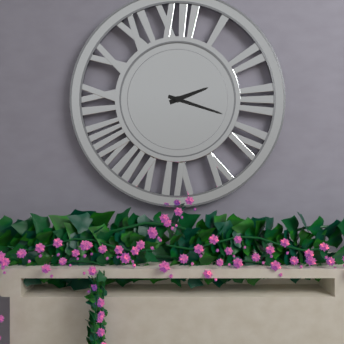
{"hour": 2, "minute": 18}
